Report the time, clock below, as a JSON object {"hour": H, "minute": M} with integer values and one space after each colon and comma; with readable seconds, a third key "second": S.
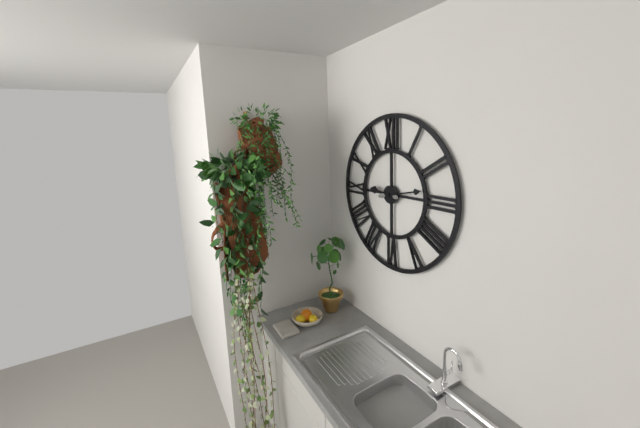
{"hour": 9, "minute": 13}
